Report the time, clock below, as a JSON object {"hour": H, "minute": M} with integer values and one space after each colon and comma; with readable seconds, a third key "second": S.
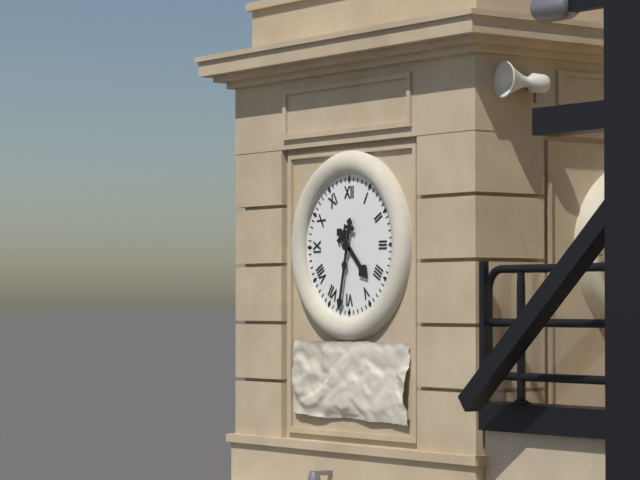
{"hour": 4, "minute": 32}
